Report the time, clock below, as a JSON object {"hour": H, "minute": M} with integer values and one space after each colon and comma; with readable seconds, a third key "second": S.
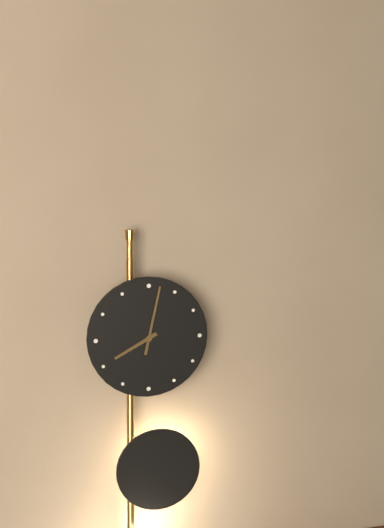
{"hour": 8, "minute": 2}
